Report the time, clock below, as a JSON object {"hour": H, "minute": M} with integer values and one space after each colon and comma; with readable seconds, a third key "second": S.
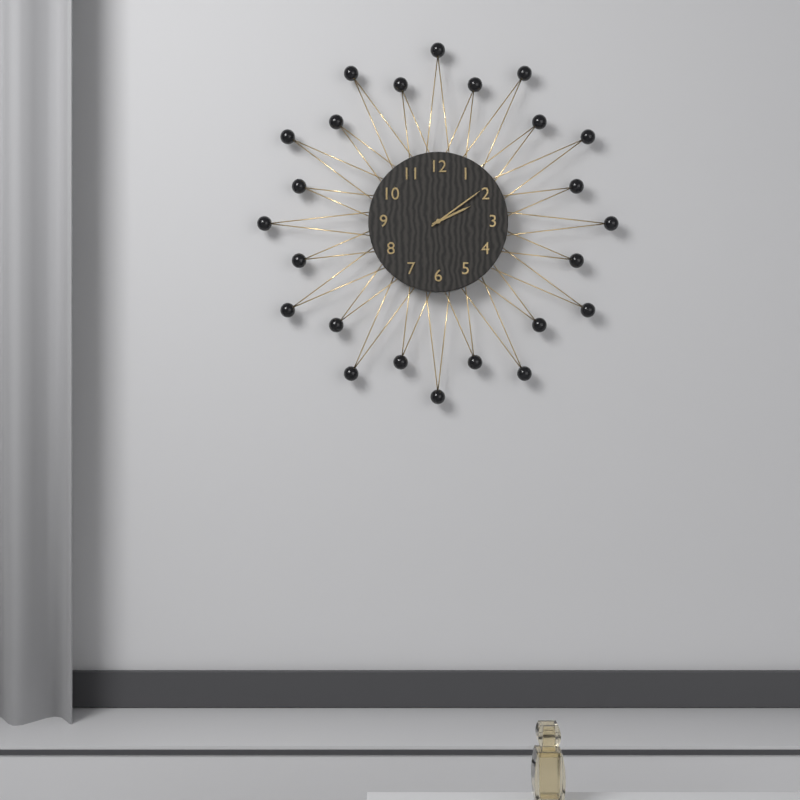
{"hour": 2, "minute": 9}
